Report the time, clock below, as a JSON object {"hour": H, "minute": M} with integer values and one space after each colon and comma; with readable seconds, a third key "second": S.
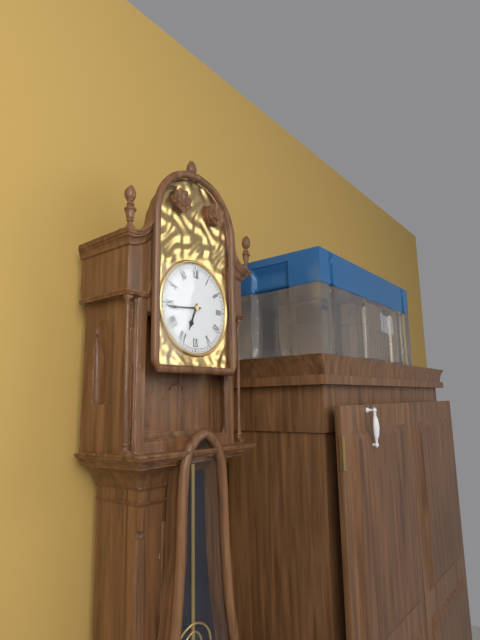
{"hour": 6, "minute": 44}
